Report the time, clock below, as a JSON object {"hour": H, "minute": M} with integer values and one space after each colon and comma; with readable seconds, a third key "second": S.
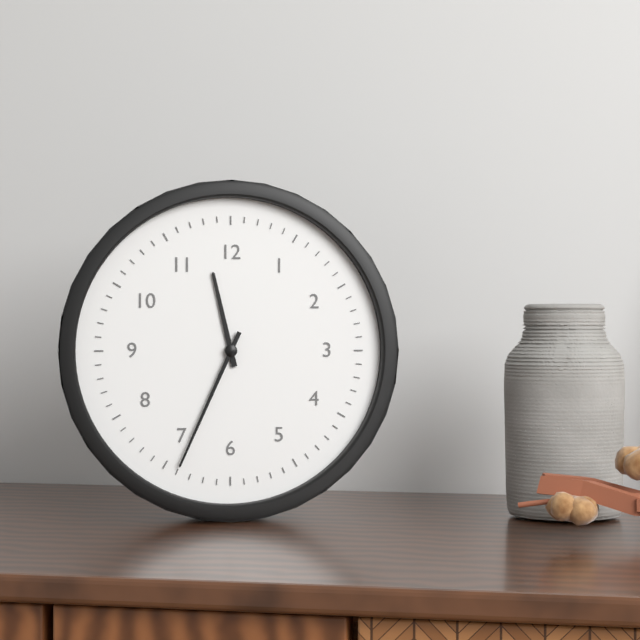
{"hour": 11, "minute": 34}
